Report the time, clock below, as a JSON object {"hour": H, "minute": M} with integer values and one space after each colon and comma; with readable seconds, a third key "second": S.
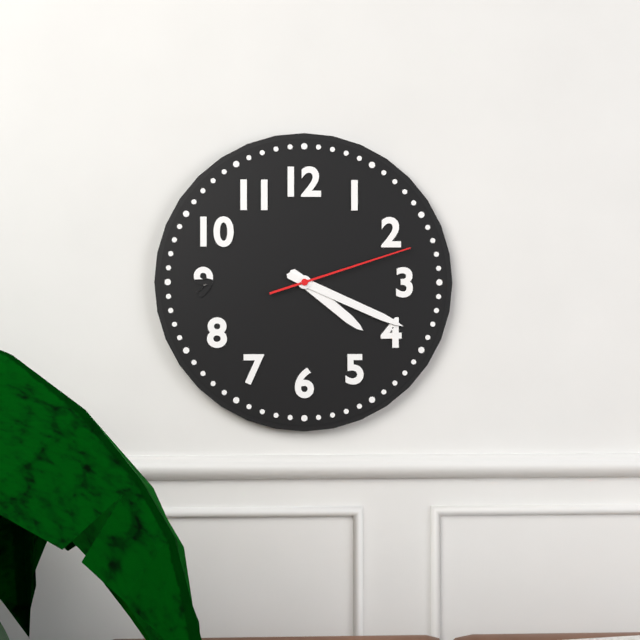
{"hour": 4, "minute": 19, "second": 12}
